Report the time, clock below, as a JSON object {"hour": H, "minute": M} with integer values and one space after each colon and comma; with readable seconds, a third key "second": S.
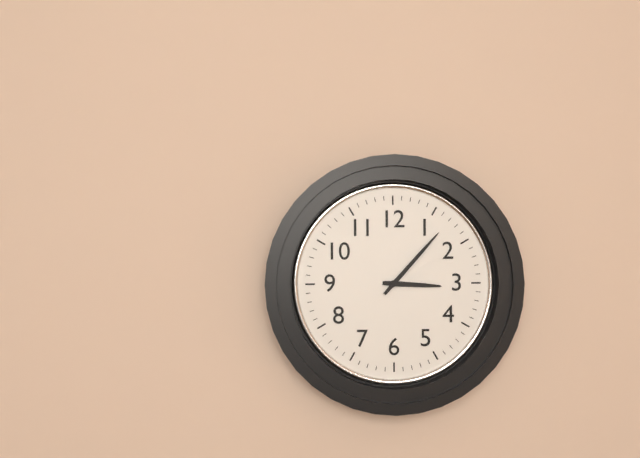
{"hour": 3, "minute": 7}
